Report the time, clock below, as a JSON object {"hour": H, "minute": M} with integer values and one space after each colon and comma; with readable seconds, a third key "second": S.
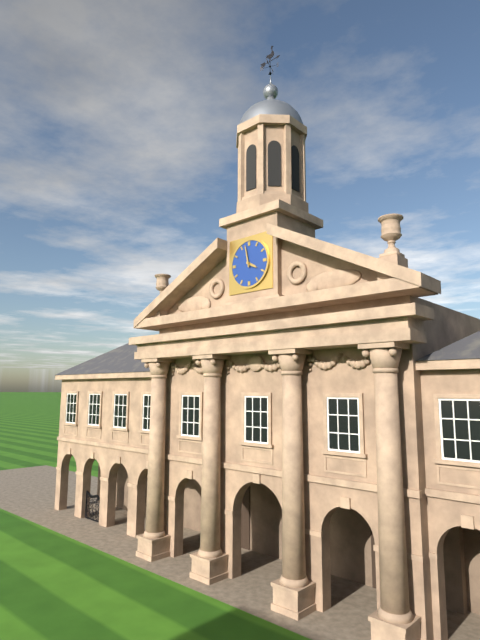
{"hour": 3, "minute": 58}
